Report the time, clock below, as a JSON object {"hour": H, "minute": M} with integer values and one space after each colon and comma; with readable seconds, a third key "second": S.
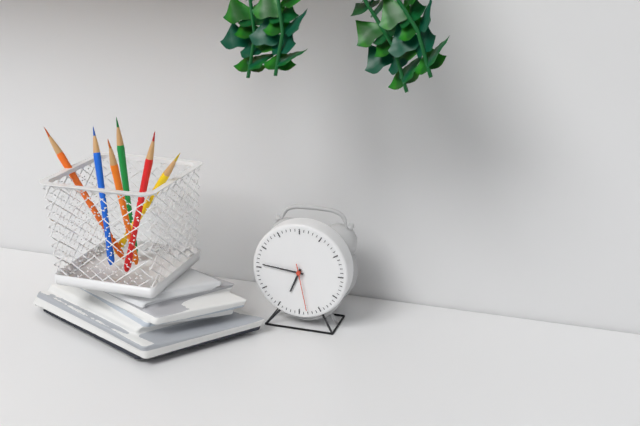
{"hour": 6, "minute": 46}
